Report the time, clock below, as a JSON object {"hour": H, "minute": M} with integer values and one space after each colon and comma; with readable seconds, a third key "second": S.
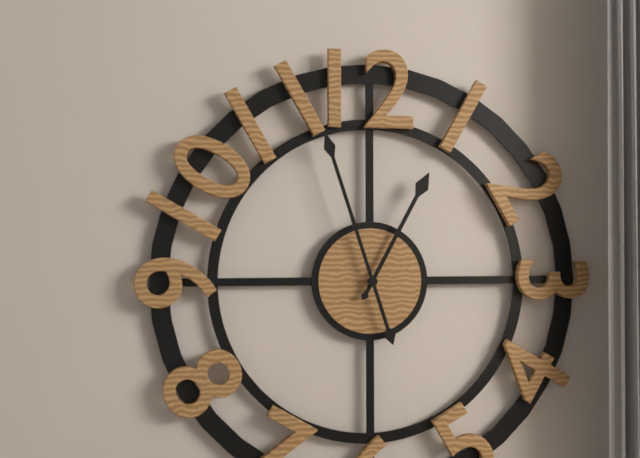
{"hour": 12, "minute": 57}
